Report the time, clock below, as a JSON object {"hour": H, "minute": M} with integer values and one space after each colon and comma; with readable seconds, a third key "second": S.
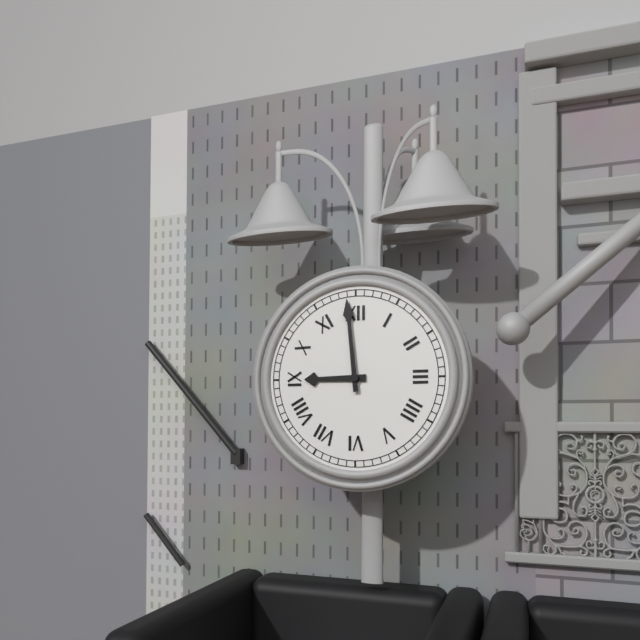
{"hour": 8, "minute": 59}
